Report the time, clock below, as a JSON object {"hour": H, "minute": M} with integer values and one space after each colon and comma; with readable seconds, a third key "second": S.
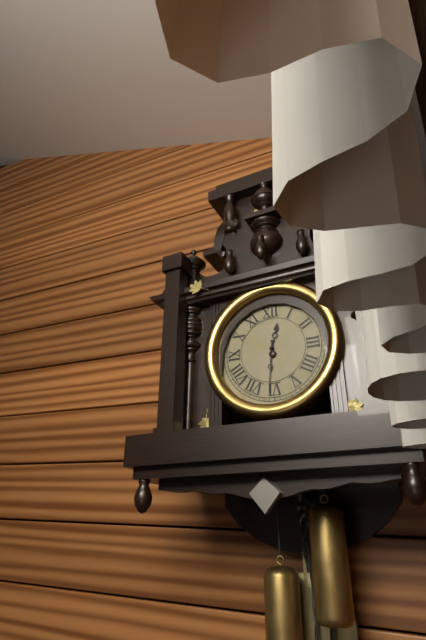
{"hour": 12, "minute": 31}
